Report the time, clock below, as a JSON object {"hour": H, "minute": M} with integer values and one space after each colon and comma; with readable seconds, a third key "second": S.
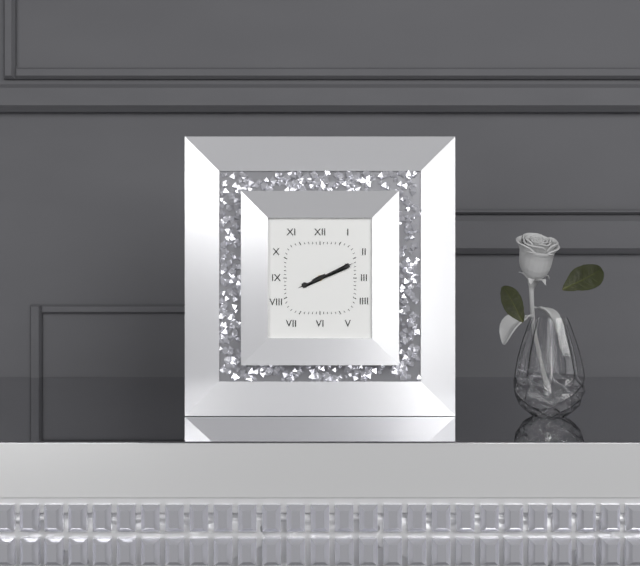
{"hour": 8, "minute": 11}
